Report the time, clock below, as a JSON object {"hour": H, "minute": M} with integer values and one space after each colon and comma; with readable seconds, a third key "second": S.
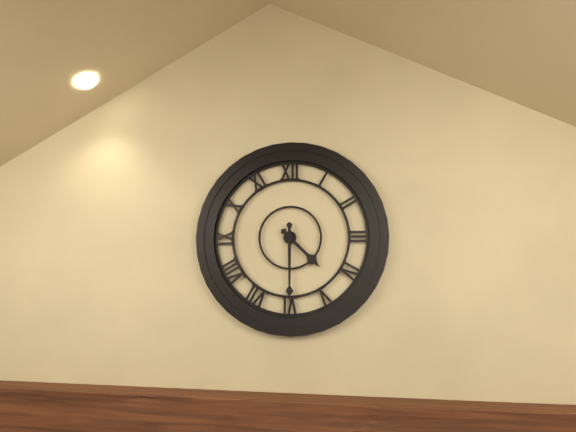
{"hour": 4, "minute": 30}
